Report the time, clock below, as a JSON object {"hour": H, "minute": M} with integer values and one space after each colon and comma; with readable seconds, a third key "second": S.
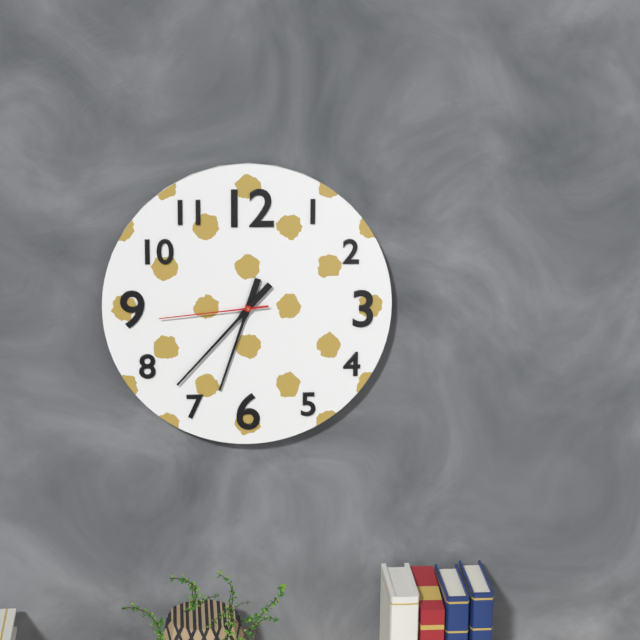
{"hour": 6, "minute": 37, "second": 44}
